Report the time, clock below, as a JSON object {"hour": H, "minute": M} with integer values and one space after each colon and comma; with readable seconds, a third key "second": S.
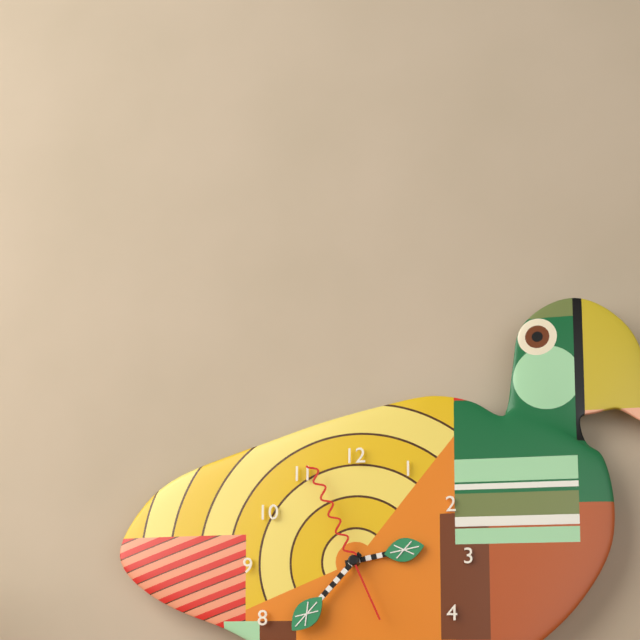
{"hour": 2, "minute": 37, "second": 56}
